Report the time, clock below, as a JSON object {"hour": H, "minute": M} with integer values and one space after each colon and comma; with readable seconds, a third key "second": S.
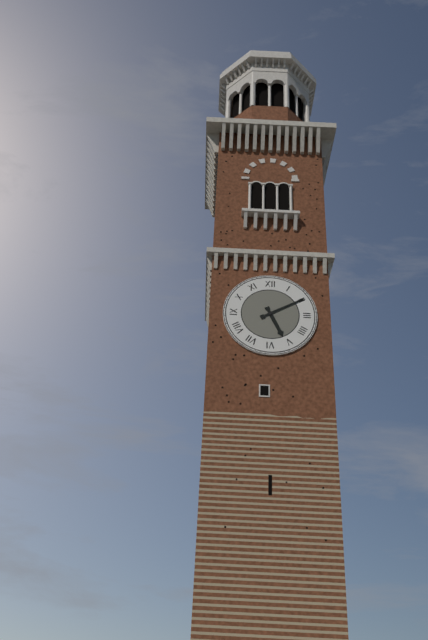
{"hour": 5, "minute": 10}
